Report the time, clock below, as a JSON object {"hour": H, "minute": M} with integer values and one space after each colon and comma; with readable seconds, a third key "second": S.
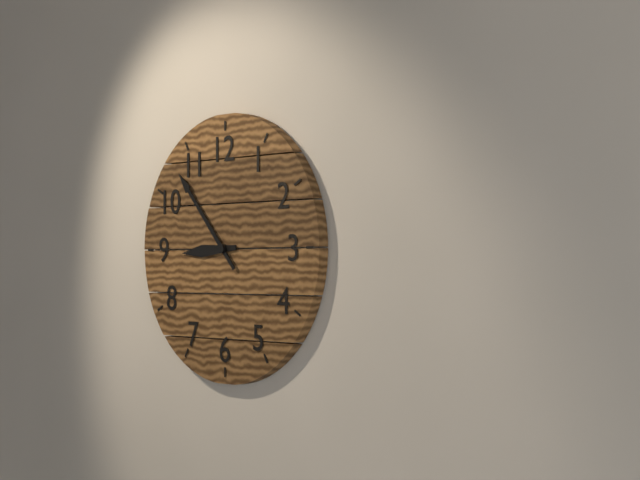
{"hour": 8, "minute": 53}
